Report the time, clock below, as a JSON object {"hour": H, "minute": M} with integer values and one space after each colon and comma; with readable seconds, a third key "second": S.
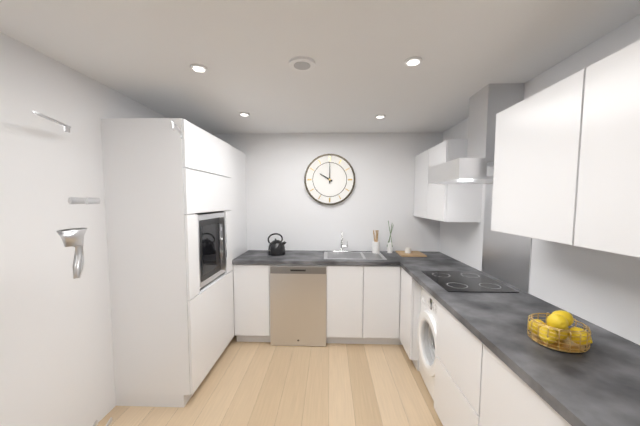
{"hour": 10, "minute": 0}
